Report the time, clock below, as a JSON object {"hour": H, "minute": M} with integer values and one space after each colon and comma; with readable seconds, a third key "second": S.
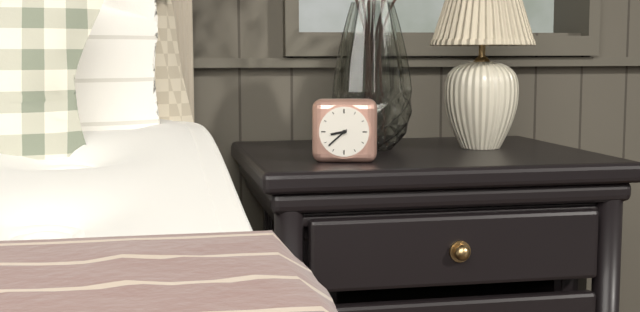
{"hour": 8, "minute": 38}
